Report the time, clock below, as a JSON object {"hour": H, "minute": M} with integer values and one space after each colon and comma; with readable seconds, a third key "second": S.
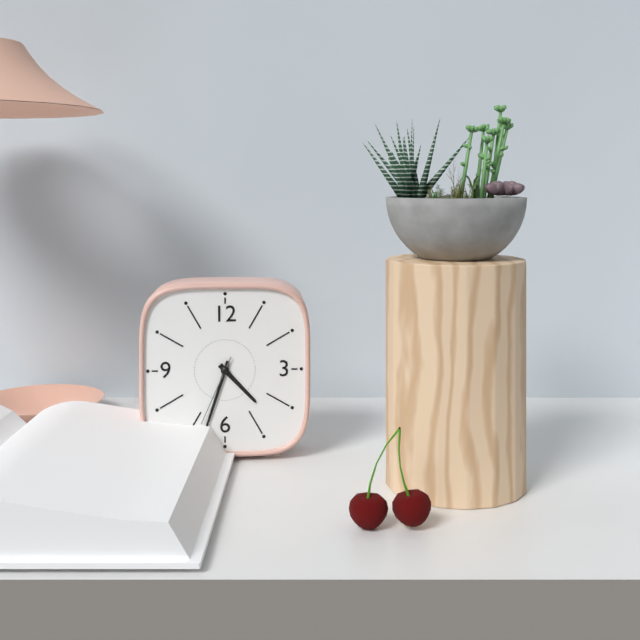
{"hour": 4, "minute": 33, "second": 34}
